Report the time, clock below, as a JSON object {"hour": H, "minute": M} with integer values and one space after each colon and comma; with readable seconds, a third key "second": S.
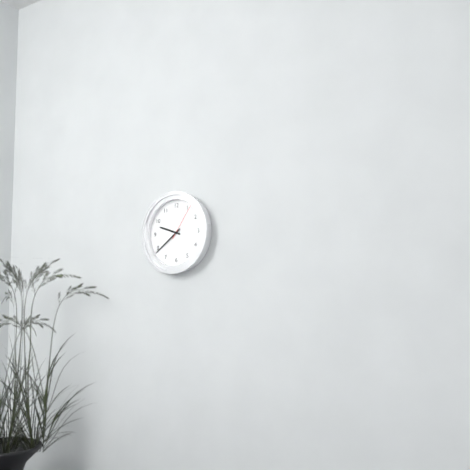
{"hour": 9, "minute": 39}
